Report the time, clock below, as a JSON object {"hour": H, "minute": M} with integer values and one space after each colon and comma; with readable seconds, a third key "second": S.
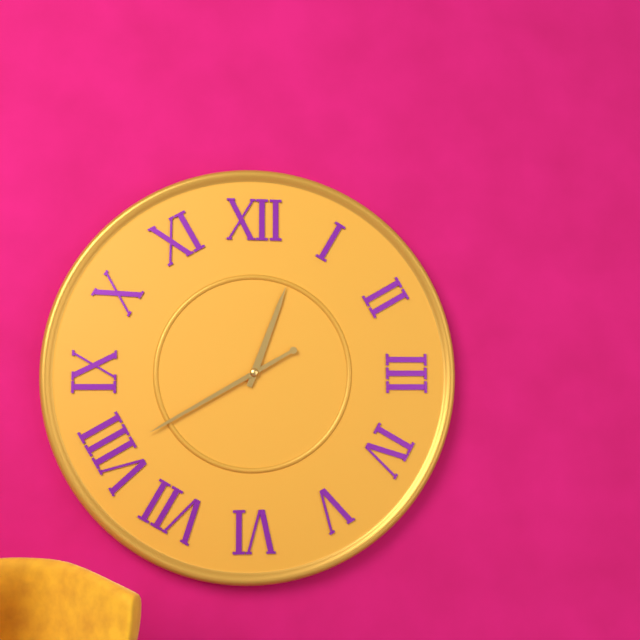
{"hour": 12, "minute": 40}
